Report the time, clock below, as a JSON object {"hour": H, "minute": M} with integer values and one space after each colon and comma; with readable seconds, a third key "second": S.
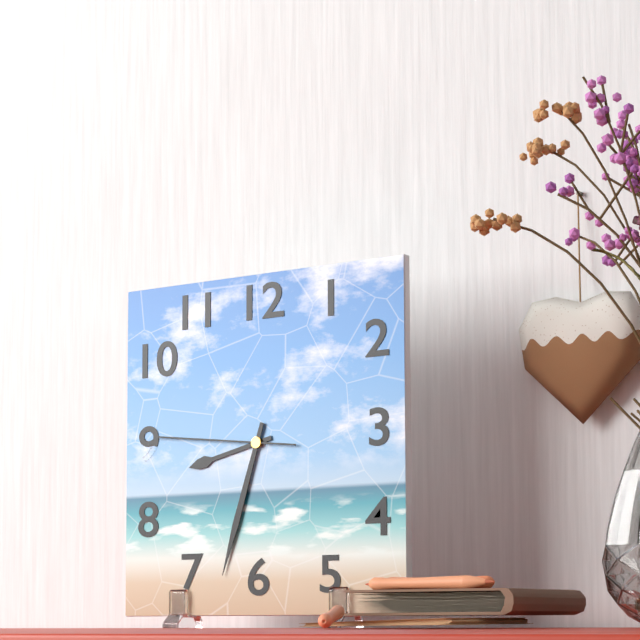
{"hour": 8, "minute": 33, "second": 46}
